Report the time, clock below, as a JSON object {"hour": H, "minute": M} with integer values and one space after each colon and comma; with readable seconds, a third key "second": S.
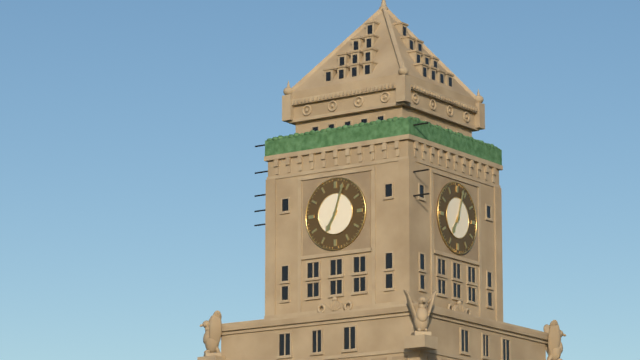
{"hour": 7, "minute": 3}
